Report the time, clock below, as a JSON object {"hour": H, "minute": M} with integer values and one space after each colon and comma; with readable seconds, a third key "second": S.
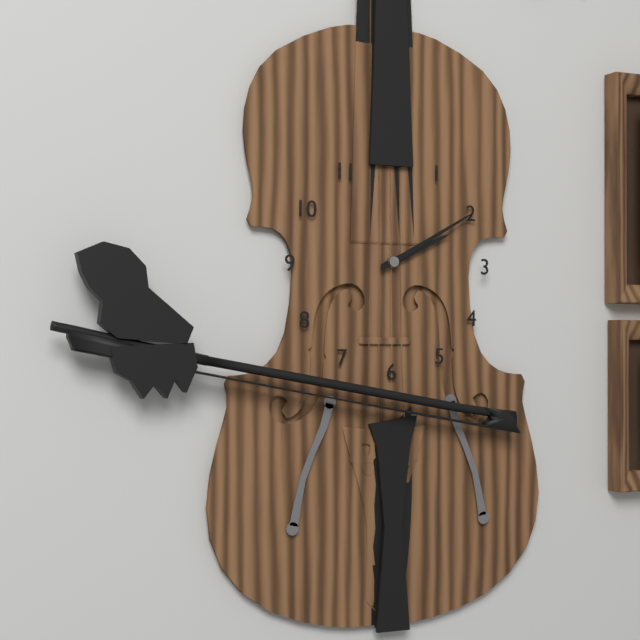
{"hour": 2, "minute": 10}
